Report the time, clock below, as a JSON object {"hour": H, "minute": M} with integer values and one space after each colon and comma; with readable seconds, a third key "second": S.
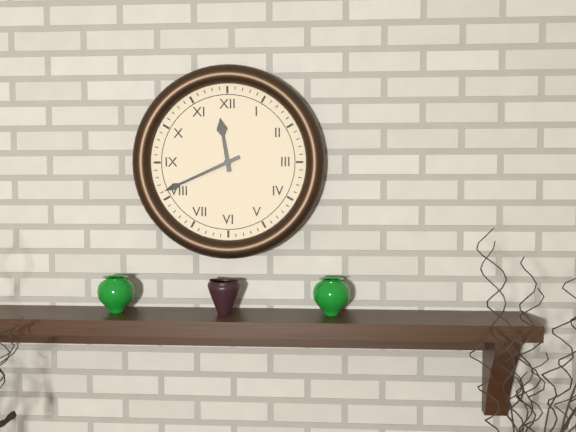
{"hour": 11, "minute": 41}
